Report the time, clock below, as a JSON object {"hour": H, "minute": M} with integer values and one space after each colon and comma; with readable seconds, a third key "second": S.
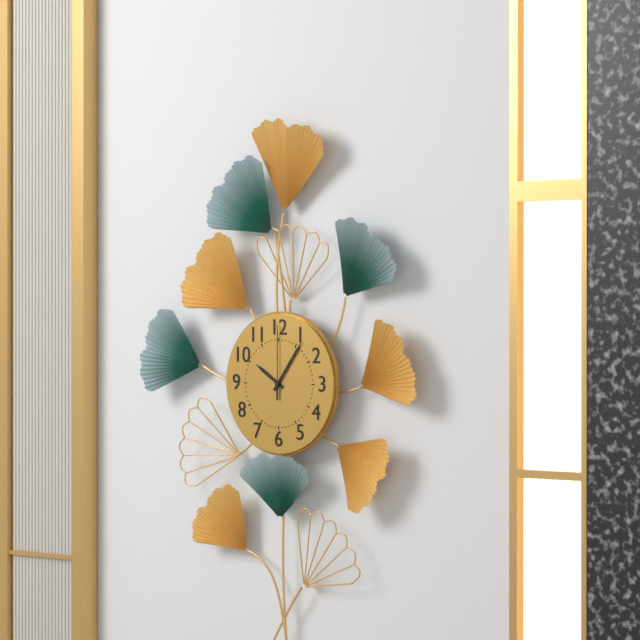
{"hour": 10, "minute": 6, "second": 0}
